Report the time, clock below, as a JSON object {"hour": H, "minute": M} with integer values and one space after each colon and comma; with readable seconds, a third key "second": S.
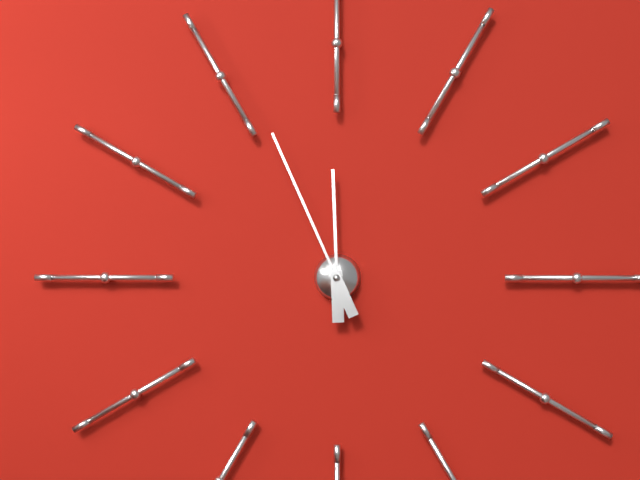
{"hour": 11, "minute": 56}
